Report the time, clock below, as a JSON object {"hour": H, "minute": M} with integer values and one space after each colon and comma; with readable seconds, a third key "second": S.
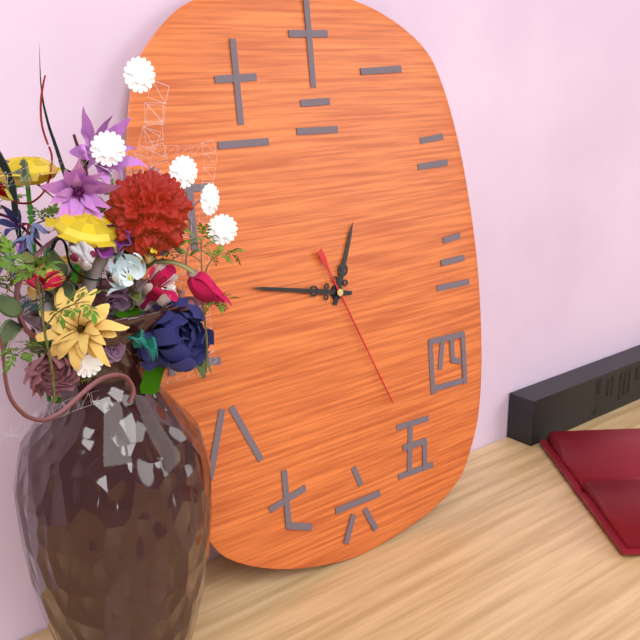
{"hour": 12, "minute": 47, "second": 26}
